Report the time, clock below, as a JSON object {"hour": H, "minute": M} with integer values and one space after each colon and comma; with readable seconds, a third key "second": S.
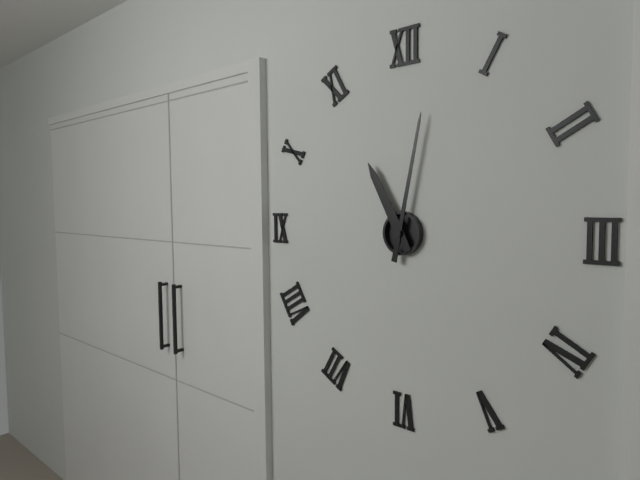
{"hour": 11, "minute": 2}
